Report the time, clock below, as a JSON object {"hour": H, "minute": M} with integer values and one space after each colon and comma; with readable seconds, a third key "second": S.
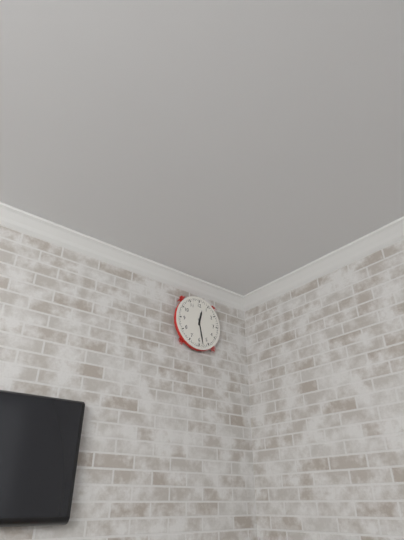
{"hour": 12, "minute": 28}
